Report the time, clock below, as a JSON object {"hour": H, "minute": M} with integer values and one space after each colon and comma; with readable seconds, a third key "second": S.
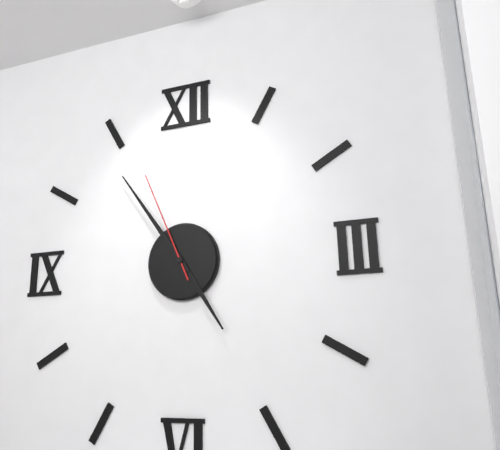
{"hour": 4, "minute": 54, "second": 56}
